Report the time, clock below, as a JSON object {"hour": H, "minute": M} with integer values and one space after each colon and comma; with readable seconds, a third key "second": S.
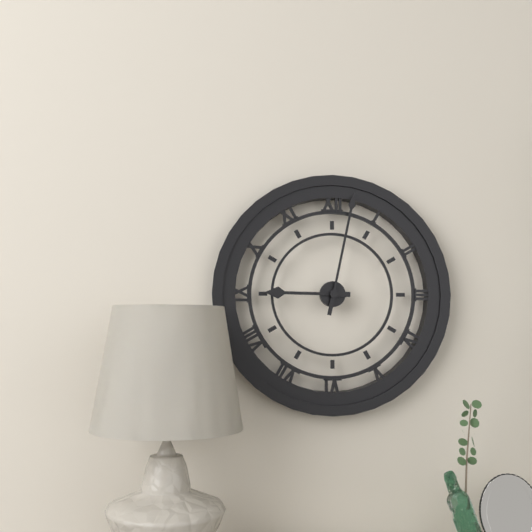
{"hour": 9, "minute": 2}
